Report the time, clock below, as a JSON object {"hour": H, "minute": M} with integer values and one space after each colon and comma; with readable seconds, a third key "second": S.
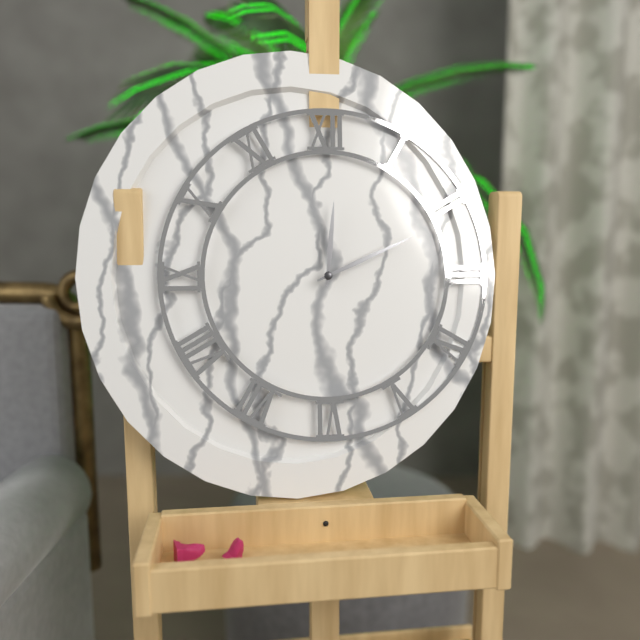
{"hour": 12, "minute": 11}
